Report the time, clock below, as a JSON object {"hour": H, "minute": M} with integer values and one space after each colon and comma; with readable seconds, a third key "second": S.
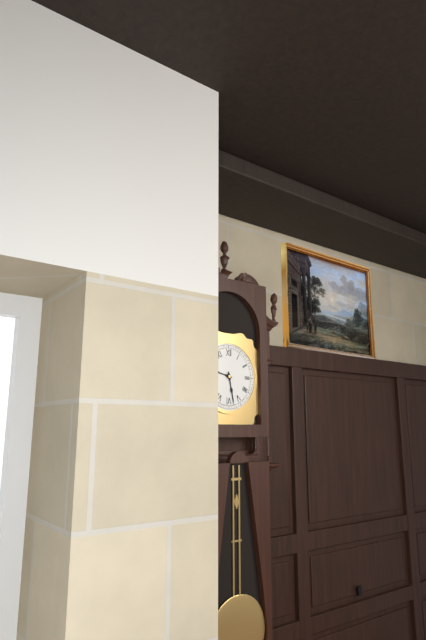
{"hour": 9, "minute": 28}
